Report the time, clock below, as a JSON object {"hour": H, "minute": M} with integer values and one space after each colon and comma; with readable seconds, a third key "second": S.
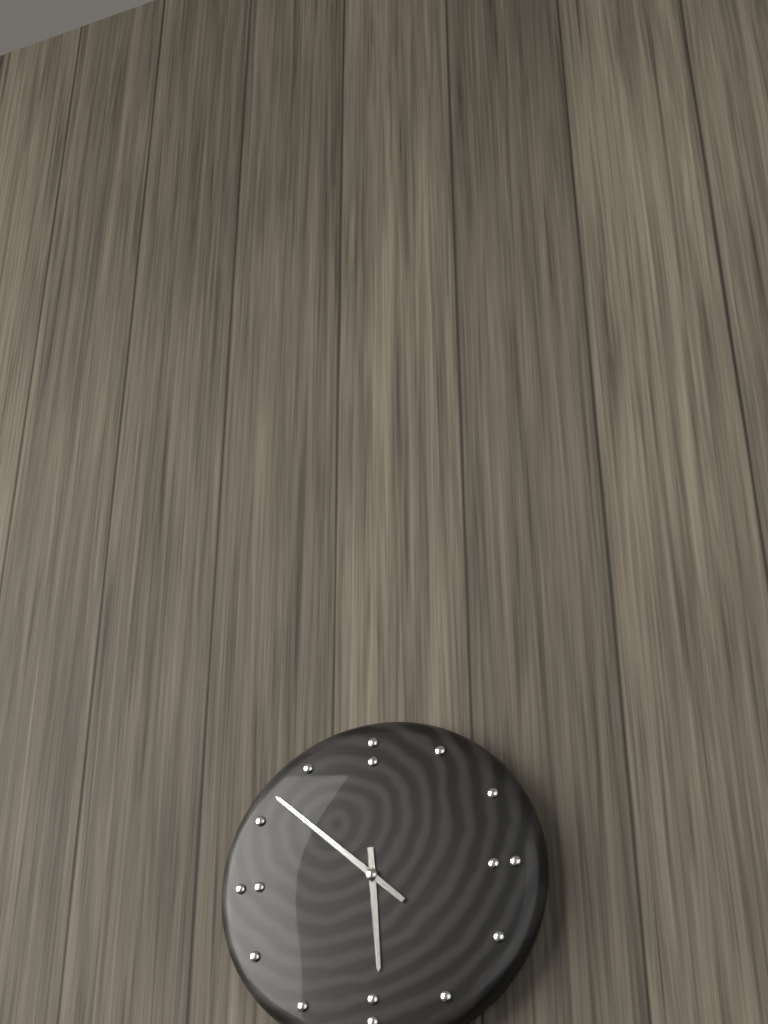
{"hour": 5, "minute": 52}
